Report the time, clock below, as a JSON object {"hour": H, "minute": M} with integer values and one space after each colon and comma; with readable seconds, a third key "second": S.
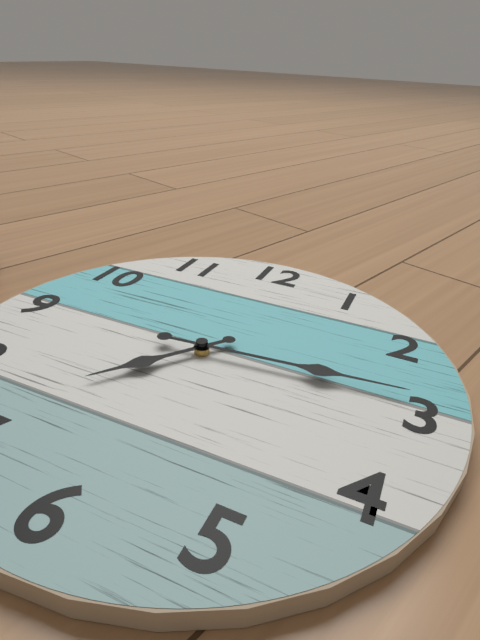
{"hour": 7, "minute": 14}
